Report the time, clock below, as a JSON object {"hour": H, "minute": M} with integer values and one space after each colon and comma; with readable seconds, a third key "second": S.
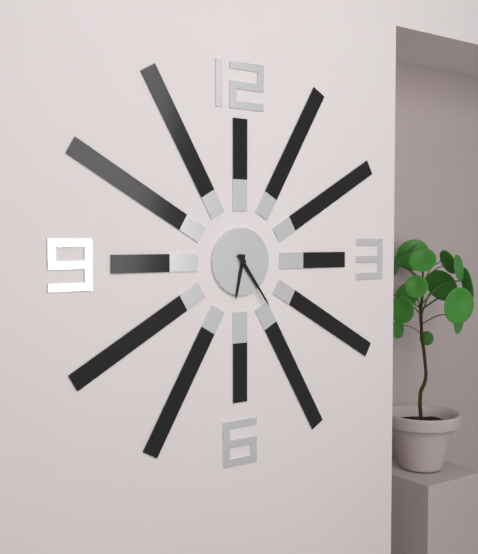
{"hour": 6, "minute": 24}
